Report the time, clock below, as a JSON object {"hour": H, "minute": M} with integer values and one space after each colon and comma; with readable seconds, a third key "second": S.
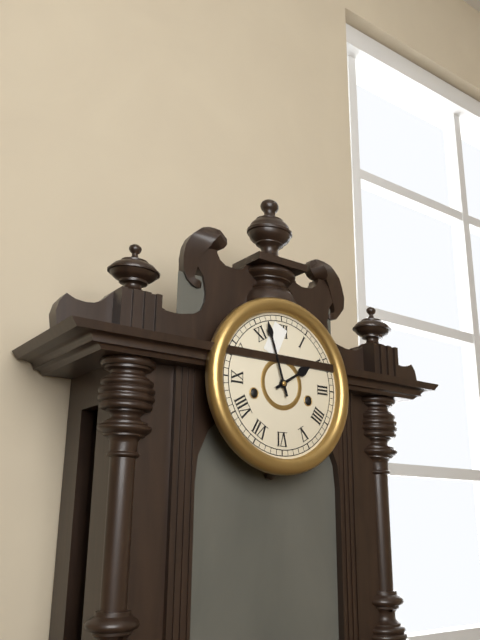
{"hour": 1, "minute": 57}
